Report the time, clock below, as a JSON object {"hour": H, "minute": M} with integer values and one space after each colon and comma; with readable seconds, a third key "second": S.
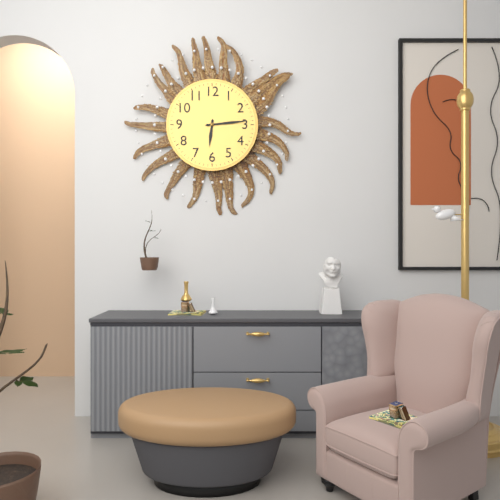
{"hour": 6, "minute": 14}
